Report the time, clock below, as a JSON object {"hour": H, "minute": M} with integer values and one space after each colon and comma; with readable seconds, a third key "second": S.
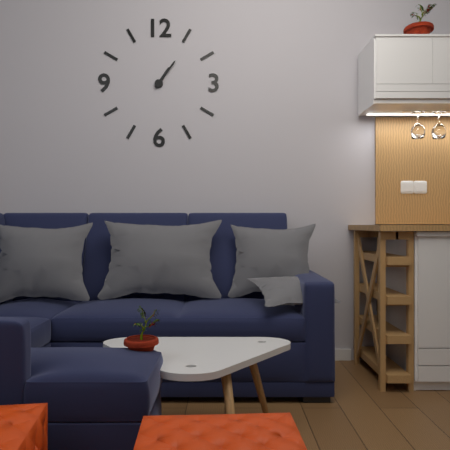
{"hour": 1, "minute": 6}
